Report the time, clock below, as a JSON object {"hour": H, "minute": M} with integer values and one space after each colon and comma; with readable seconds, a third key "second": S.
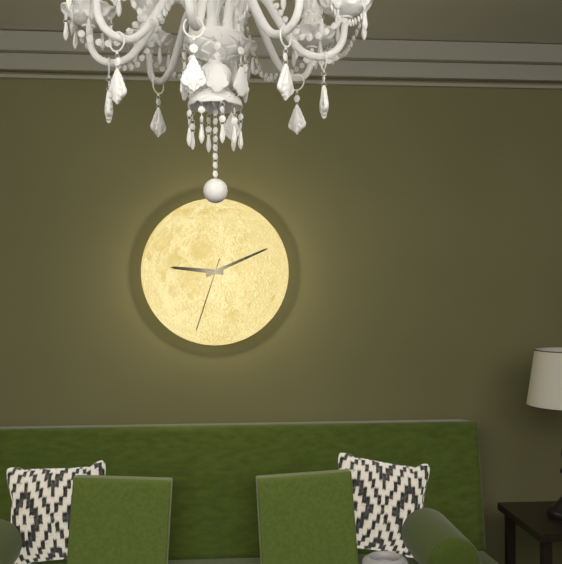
{"hour": 9, "minute": 11, "second": 33}
